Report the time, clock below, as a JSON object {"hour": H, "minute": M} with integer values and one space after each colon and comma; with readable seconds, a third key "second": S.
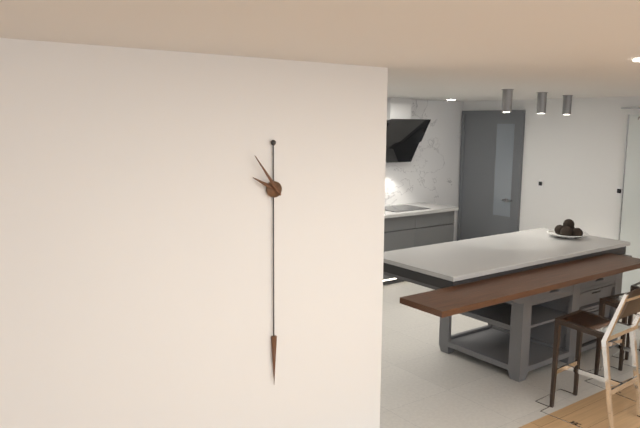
{"hour": 9, "minute": 54}
